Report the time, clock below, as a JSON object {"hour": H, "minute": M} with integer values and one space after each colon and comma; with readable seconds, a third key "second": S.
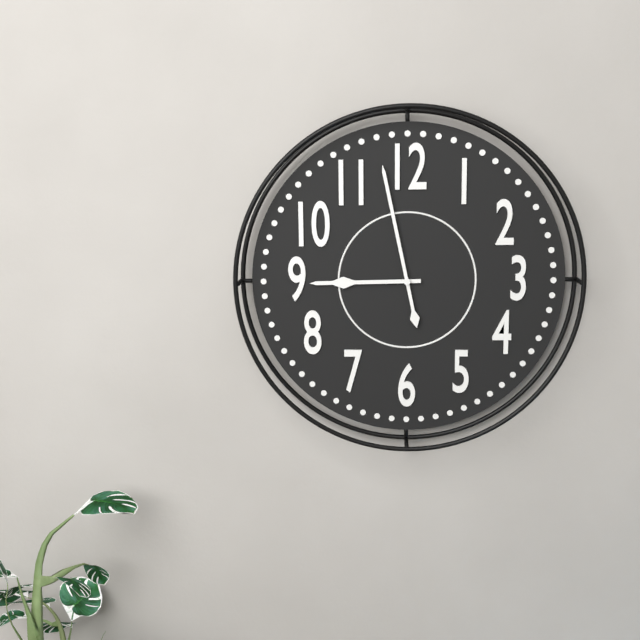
{"hour": 8, "minute": 58}
